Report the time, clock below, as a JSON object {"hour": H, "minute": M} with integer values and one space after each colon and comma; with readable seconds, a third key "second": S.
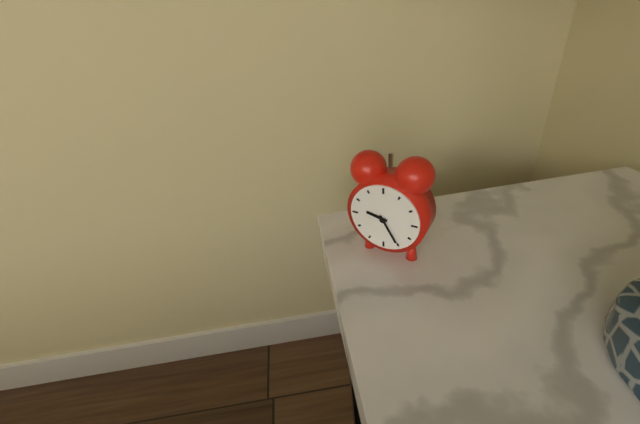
{"hour": 9, "minute": 25}
